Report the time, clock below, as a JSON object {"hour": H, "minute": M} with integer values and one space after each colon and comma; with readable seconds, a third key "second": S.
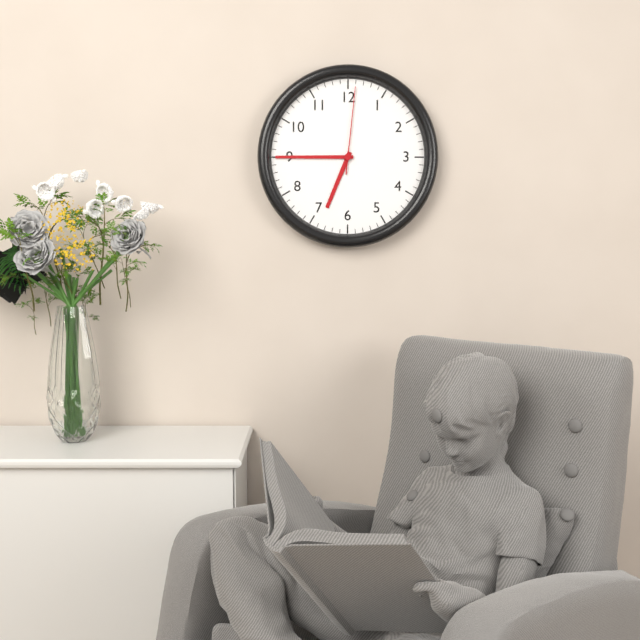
{"hour": 6, "minute": 45, "second": 1}
